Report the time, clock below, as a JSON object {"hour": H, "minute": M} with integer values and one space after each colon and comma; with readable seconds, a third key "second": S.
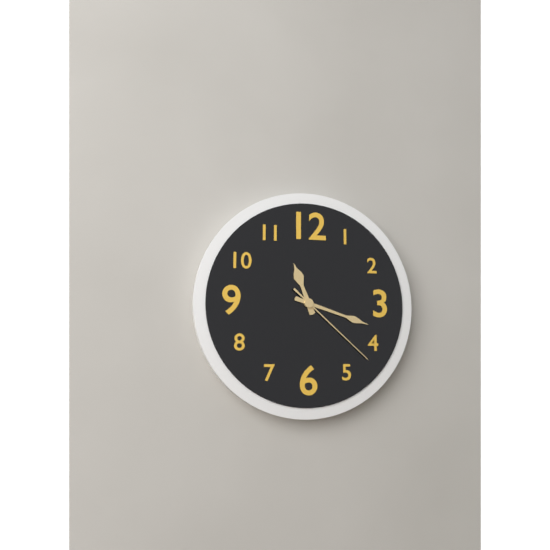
{"hour": 11, "minute": 18, "second": 22}
